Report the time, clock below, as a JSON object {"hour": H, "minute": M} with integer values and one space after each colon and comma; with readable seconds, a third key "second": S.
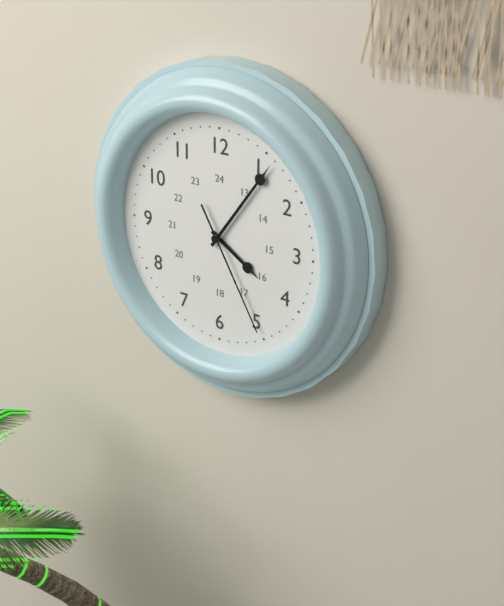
{"hour": 4, "minute": 6, "second": 25}
